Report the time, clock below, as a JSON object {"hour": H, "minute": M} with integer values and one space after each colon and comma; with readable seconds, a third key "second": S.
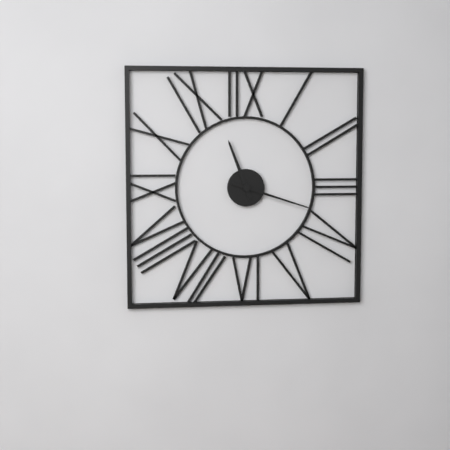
{"hour": 11, "minute": 18}
